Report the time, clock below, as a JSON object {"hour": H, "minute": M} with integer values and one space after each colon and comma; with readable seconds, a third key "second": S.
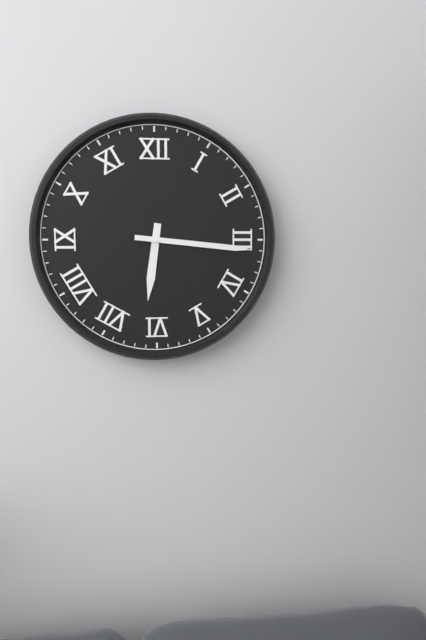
{"hour": 6, "minute": 16}
